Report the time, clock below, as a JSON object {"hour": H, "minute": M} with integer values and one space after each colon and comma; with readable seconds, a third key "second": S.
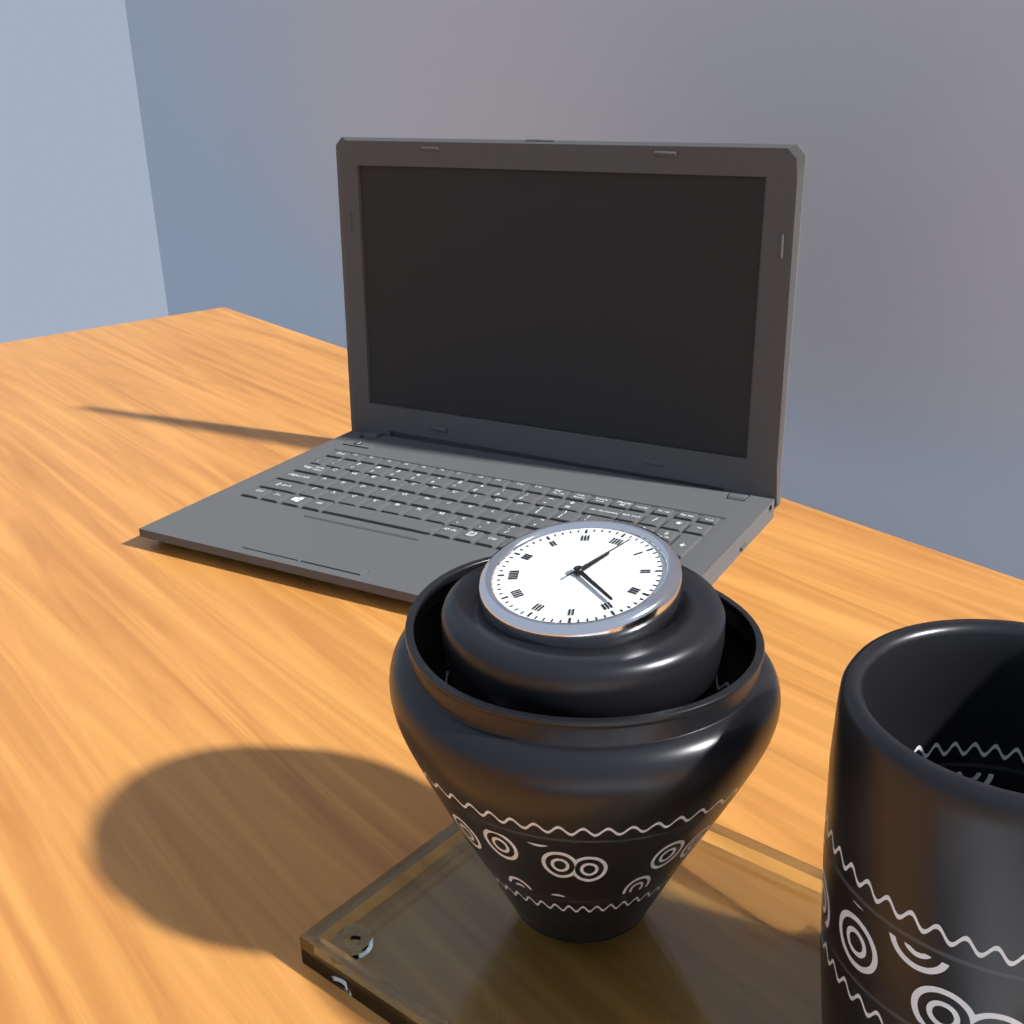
{"hour": 12, "minute": 19, "second": 2}
